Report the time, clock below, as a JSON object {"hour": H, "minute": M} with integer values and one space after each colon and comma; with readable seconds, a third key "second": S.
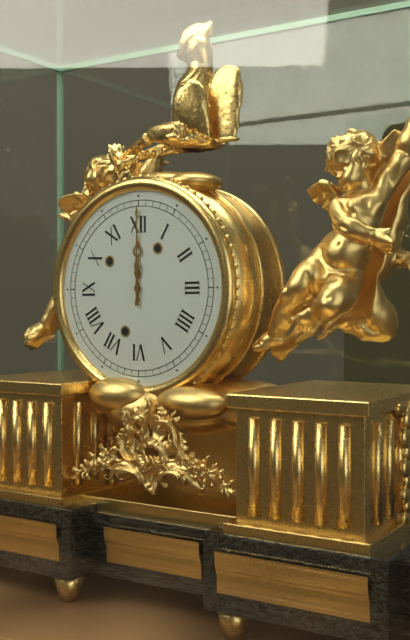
{"hour": 12, "minute": 0}
